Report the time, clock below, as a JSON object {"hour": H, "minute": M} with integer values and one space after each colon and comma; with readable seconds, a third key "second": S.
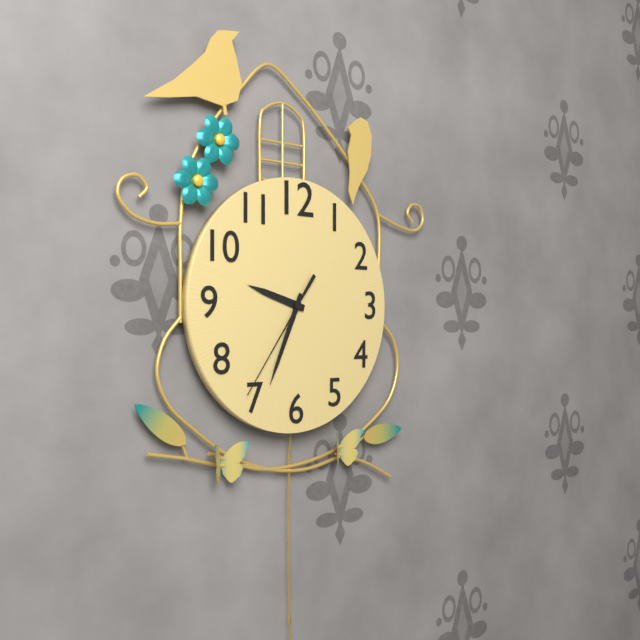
{"hour": 9, "minute": 34, "second": 36}
